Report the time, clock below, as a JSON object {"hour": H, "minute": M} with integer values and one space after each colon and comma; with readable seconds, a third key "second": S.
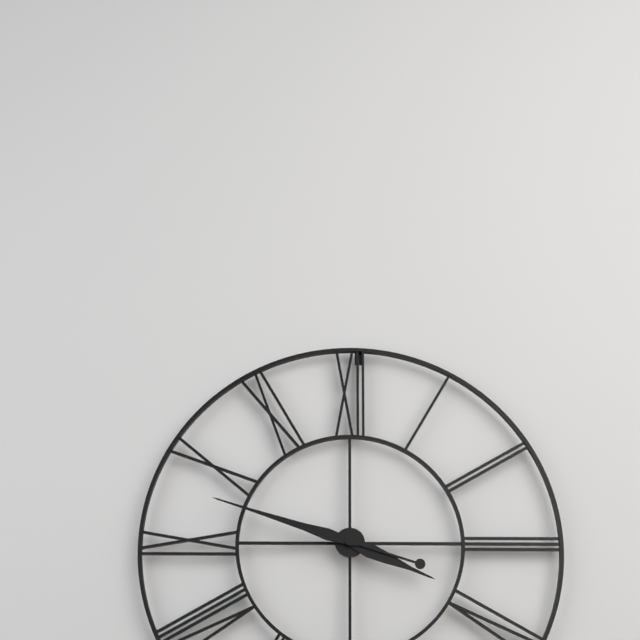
{"hour": 3, "minute": 48}
